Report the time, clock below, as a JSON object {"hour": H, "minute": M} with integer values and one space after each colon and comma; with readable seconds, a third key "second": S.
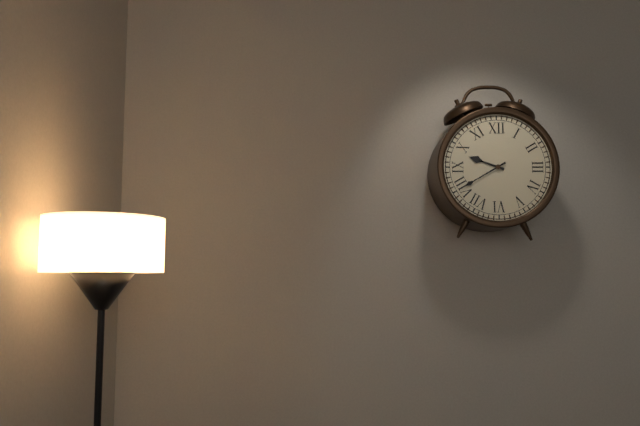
{"hour": 9, "minute": 40}
